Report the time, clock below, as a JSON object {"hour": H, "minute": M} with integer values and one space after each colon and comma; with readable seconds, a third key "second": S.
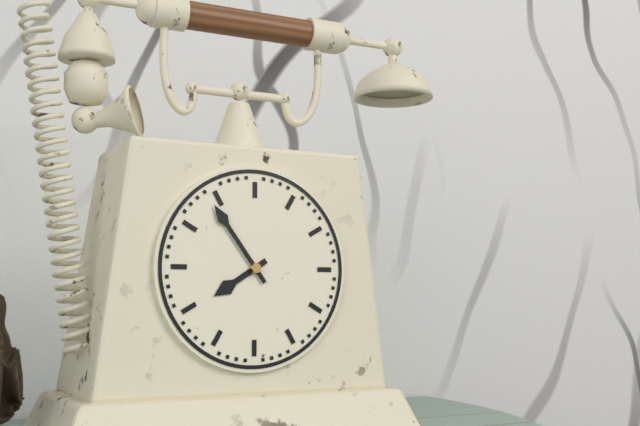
{"hour": 7, "minute": 54}
